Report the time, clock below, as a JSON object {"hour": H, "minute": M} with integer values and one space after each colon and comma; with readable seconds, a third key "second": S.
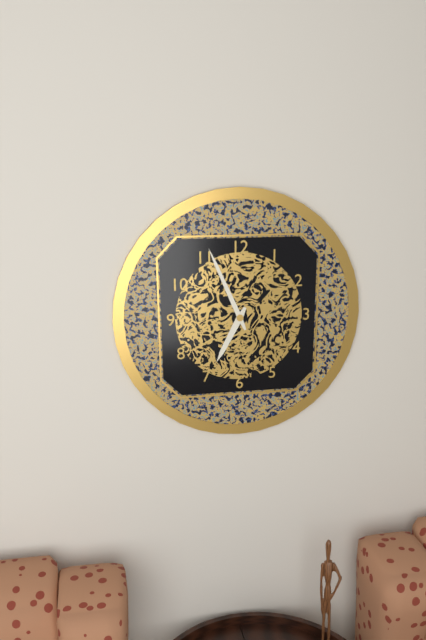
{"hour": 6, "minute": 56}
